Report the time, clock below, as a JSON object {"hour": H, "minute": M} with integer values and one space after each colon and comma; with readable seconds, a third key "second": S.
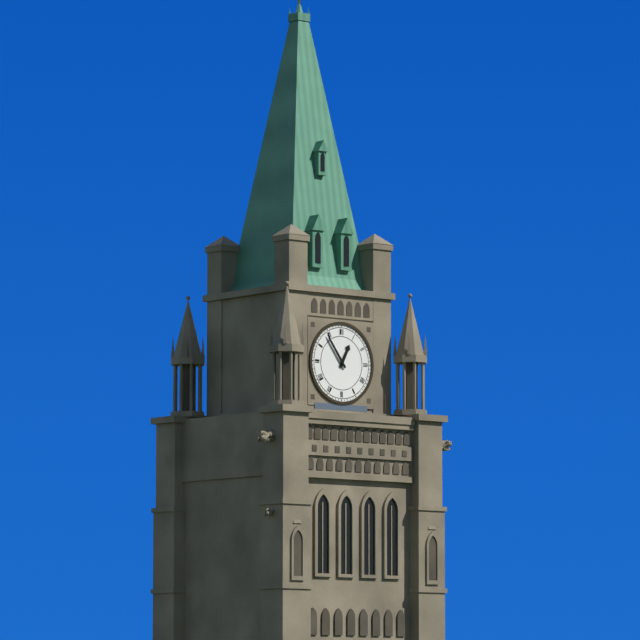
{"hour": 12, "minute": 54}
